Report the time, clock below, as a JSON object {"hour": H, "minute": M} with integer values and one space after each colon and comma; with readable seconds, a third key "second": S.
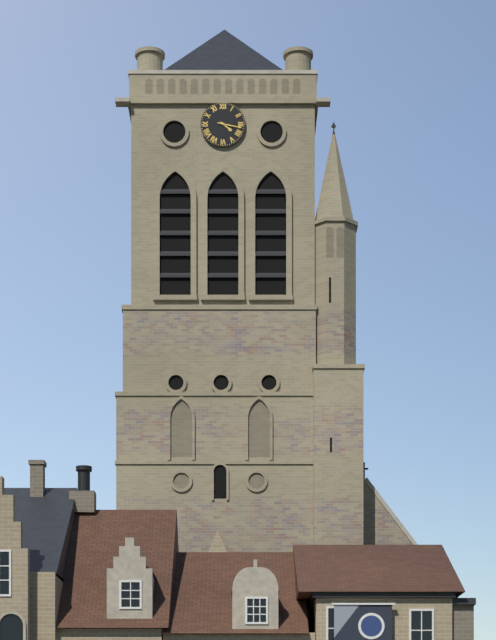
{"hour": 4, "minute": 17}
